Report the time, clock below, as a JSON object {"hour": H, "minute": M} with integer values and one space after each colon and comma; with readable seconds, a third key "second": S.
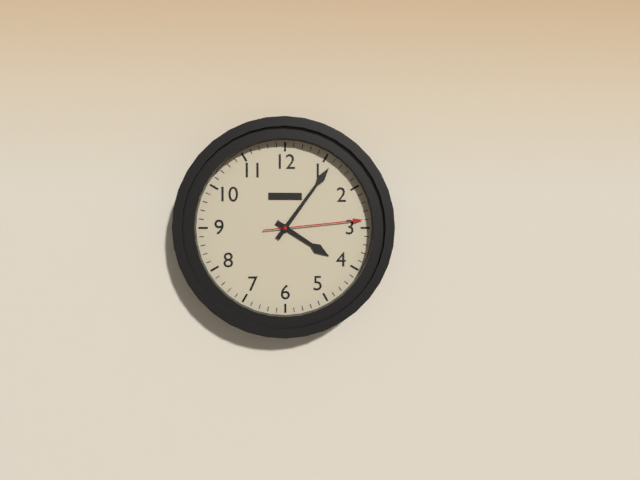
{"hour": 4, "minute": 6, "second": 14}
